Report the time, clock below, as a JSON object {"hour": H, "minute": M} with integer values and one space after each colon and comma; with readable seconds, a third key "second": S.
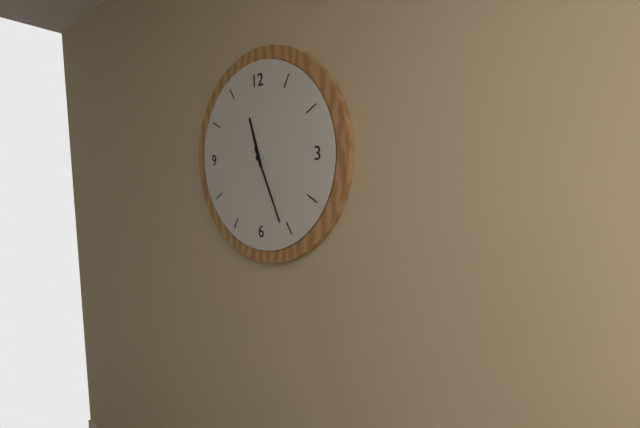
{"hour": 11, "minute": 26}
